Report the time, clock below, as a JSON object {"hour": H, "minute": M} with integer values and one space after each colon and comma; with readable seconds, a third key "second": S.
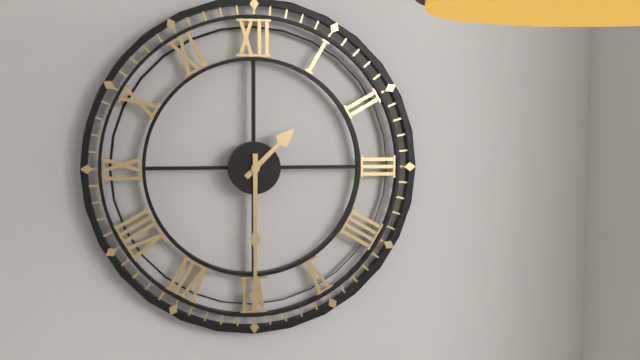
{"hour": 1, "minute": 30}
